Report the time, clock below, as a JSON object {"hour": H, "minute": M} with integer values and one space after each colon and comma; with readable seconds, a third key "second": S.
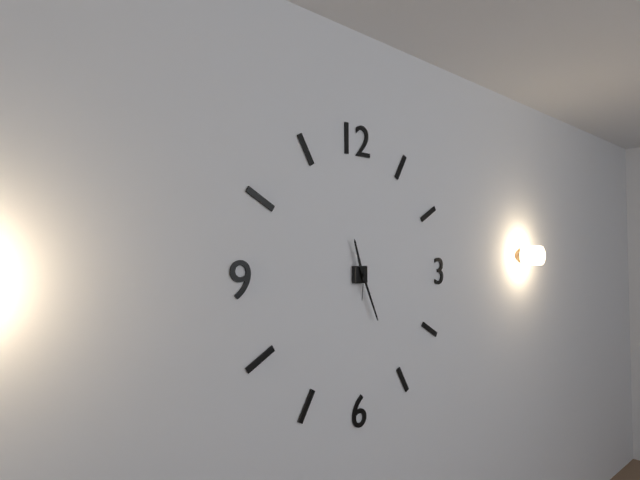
{"hour": 11, "minute": 26}
